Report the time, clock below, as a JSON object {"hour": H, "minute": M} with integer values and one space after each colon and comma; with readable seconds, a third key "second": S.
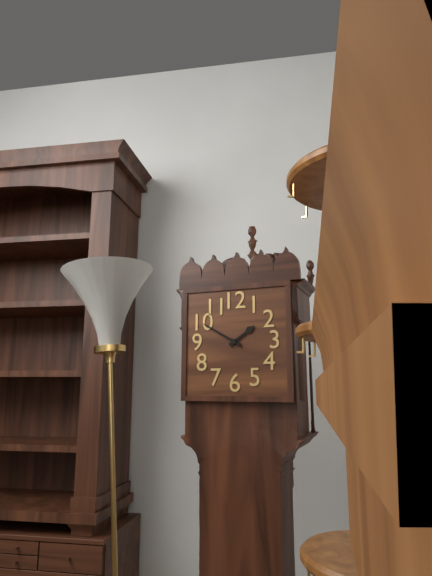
{"hour": 1, "minute": 50}
